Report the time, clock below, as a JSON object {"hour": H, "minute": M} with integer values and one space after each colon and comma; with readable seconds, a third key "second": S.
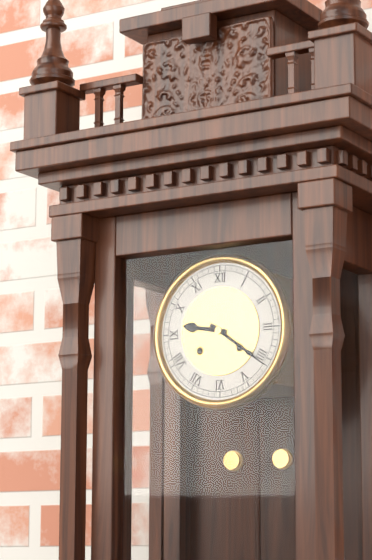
{"hour": 9, "minute": 21}
